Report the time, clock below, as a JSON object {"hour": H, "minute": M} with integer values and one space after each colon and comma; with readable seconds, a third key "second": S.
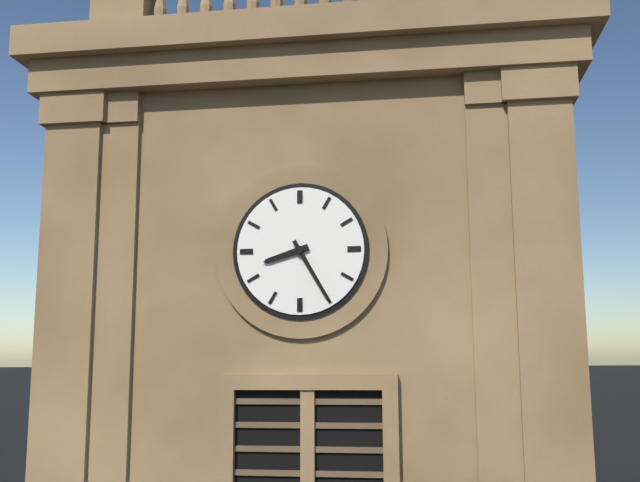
{"hour": 8, "minute": 25}
